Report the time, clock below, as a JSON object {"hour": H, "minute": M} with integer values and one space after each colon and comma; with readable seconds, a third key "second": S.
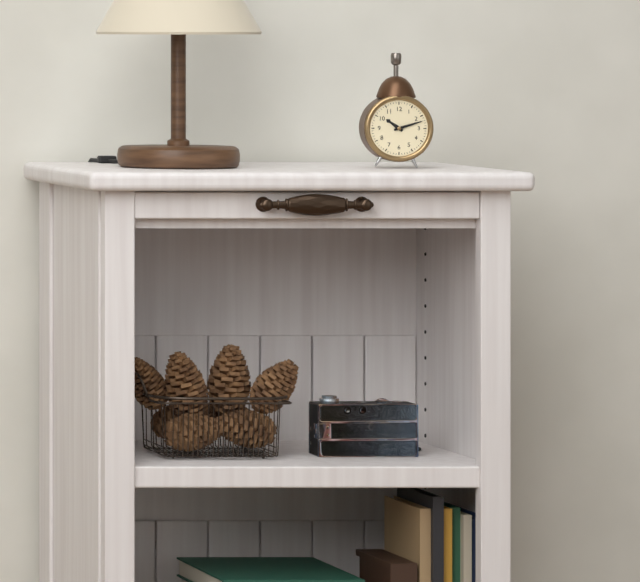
{"hour": 10, "minute": 12}
